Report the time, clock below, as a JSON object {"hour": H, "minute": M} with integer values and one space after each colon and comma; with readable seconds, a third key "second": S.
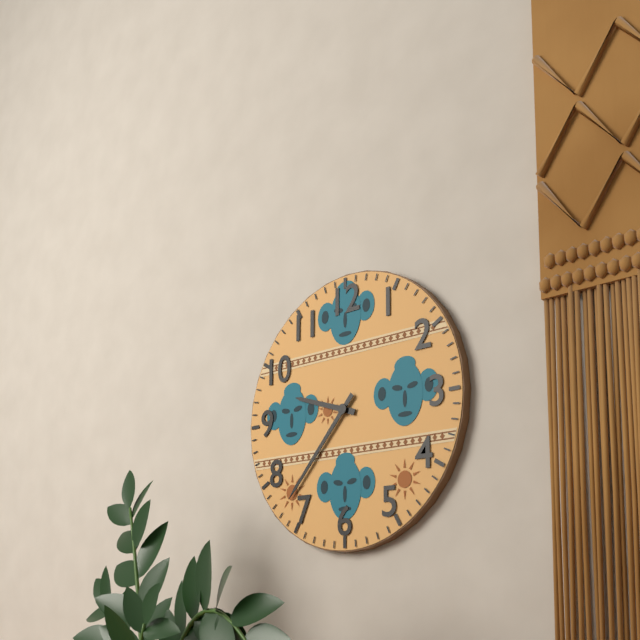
{"hour": 9, "minute": 37}
